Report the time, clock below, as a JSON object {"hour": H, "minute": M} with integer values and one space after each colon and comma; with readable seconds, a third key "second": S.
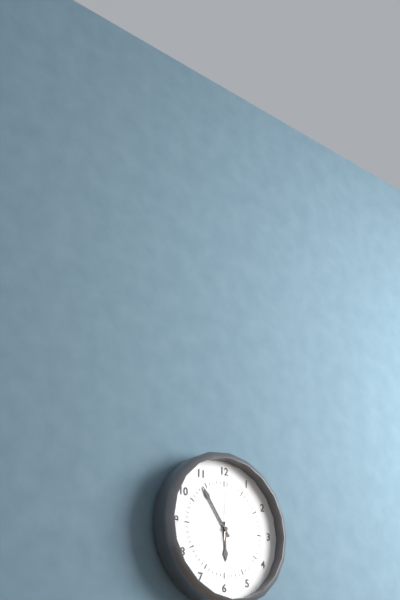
{"hour": 5, "minute": 54, "second": 1}
